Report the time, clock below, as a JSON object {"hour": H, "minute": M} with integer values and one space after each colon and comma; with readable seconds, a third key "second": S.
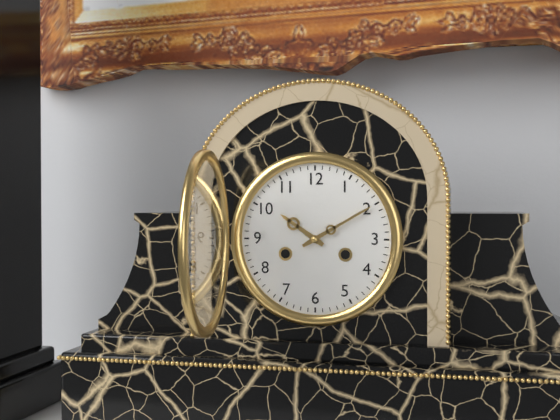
{"hour": 10, "minute": 10}
